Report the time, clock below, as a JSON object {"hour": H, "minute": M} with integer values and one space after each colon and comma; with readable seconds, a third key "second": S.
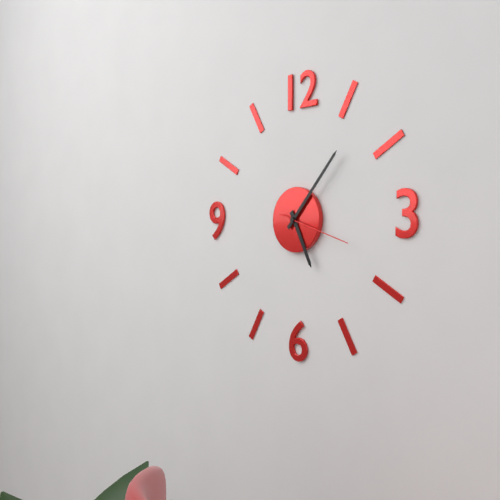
{"hour": 5, "minute": 7, "second": 18}
